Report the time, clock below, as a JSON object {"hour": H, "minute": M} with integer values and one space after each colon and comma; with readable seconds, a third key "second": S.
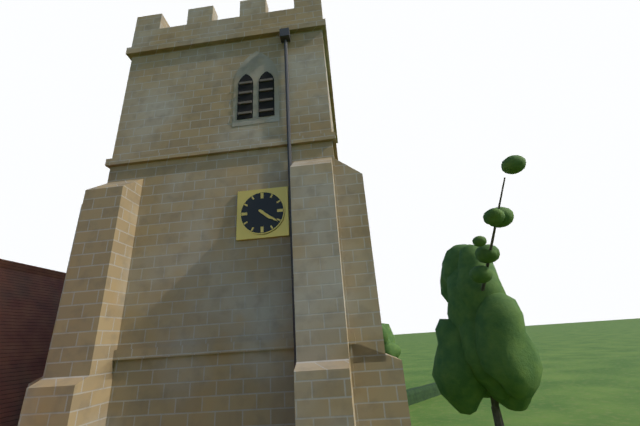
{"hour": 4, "minute": 21}
